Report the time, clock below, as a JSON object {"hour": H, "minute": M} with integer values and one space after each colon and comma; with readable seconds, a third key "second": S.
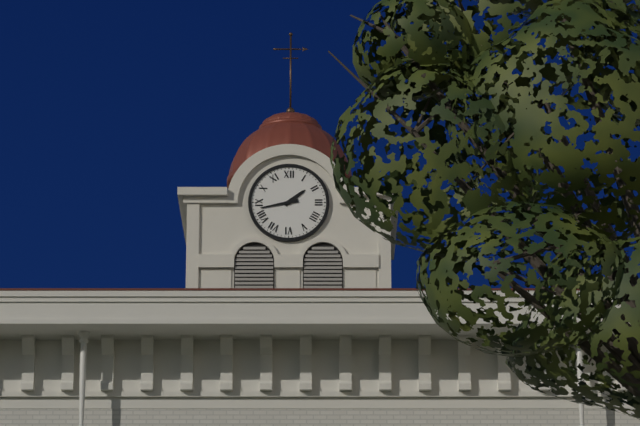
{"hour": 1, "minute": 43}
